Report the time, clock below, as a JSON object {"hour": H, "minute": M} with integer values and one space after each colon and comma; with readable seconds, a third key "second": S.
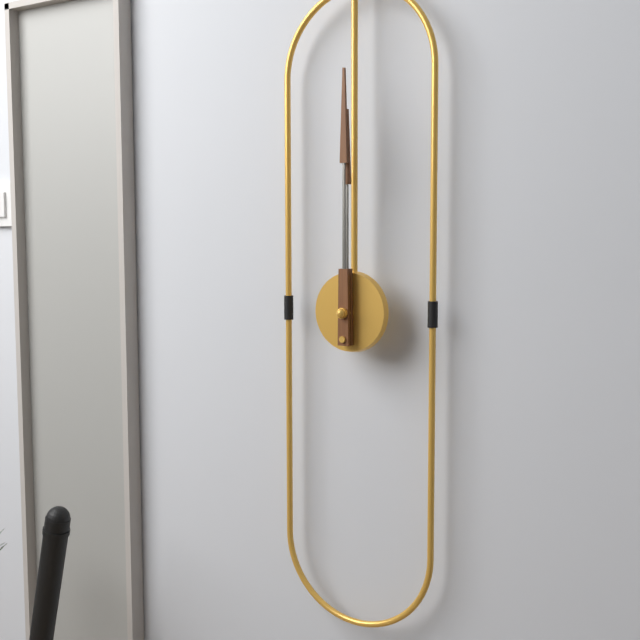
{"hour": 12, "minute": 0}
